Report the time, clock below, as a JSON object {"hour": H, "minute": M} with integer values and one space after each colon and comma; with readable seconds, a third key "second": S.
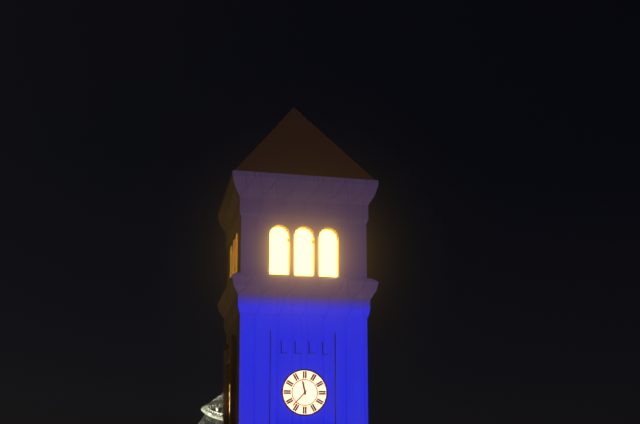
{"hour": 11, "minute": 37}
